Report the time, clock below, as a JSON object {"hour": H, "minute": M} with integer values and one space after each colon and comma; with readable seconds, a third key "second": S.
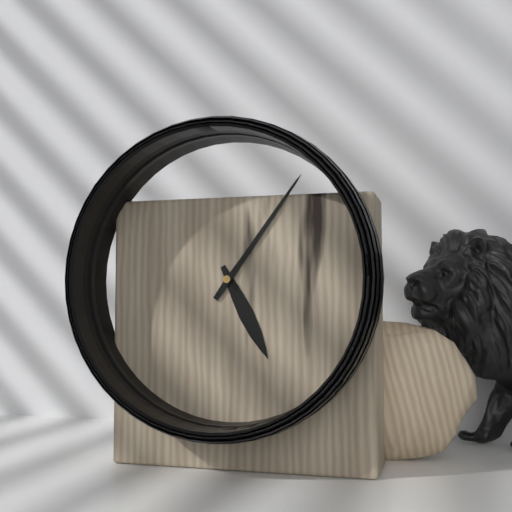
{"hour": 5, "minute": 6}
